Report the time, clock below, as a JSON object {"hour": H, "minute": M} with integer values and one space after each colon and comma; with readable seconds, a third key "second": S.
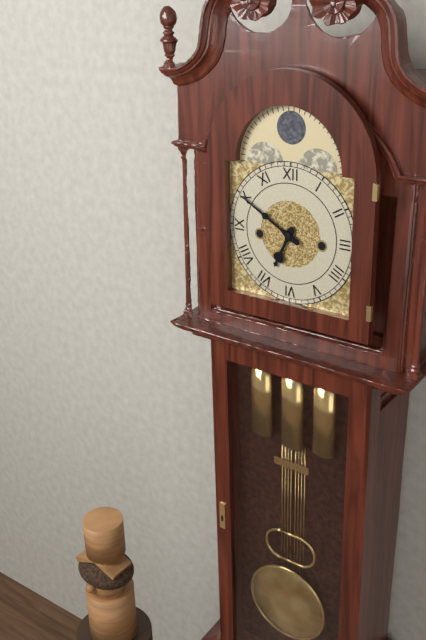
{"hour": 6, "minute": 50}
